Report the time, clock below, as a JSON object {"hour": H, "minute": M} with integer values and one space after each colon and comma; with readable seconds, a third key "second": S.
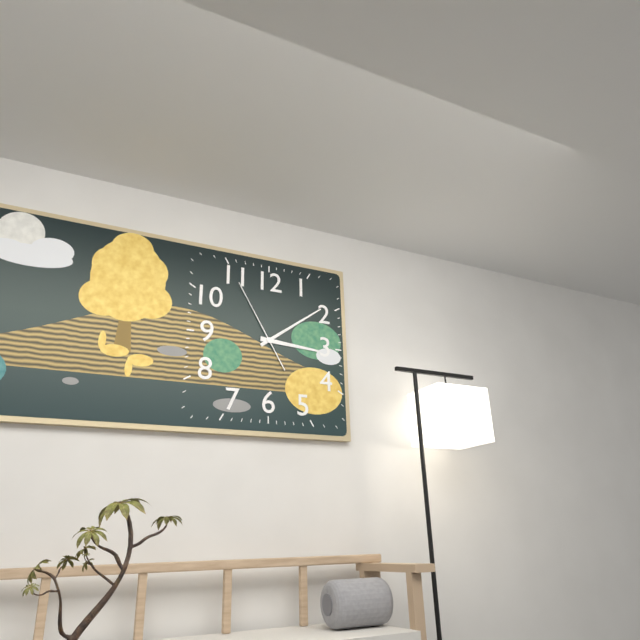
{"hour": 3, "minute": 9, "second": 55}
